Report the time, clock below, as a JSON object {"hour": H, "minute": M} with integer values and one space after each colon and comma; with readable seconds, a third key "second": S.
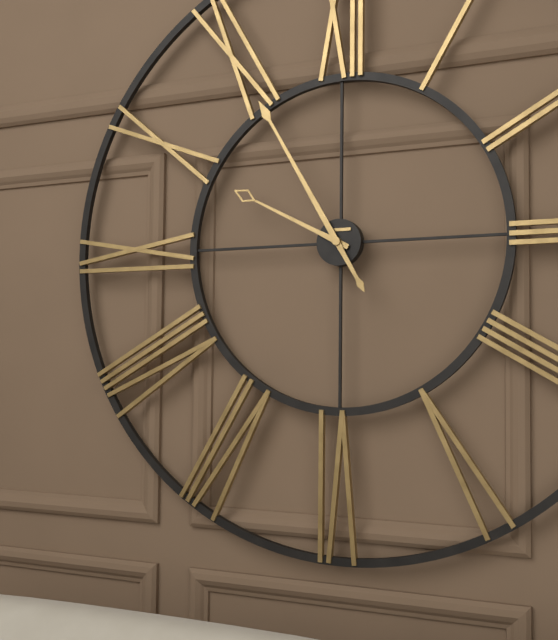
{"hour": 9, "minute": 55}
